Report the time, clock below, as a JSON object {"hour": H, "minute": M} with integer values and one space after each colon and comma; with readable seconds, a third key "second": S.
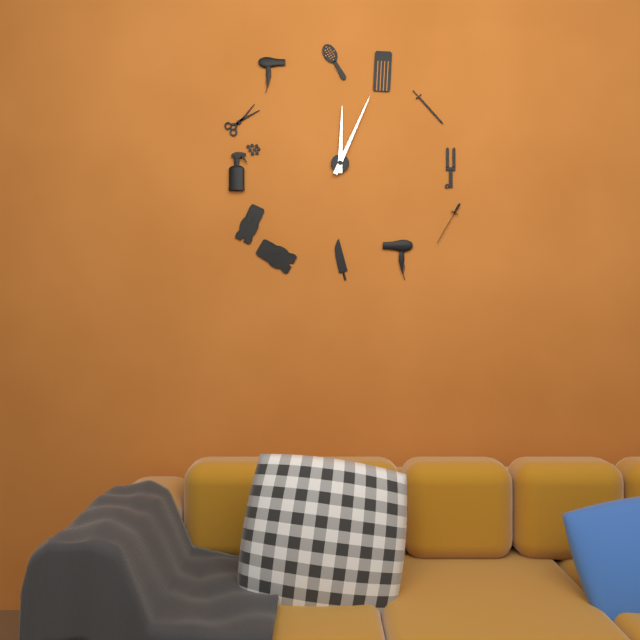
{"hour": 12, "minute": 4}
